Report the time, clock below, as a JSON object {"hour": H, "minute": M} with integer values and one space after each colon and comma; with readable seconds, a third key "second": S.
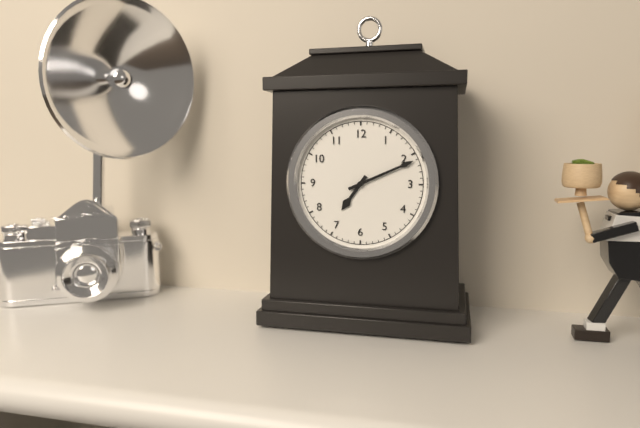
{"hour": 7, "minute": 11}
